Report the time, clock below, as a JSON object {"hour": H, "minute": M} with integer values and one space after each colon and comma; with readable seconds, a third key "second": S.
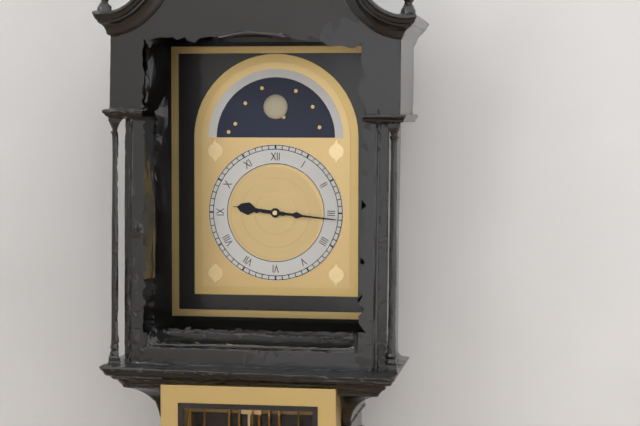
{"hour": 9, "minute": 16}
